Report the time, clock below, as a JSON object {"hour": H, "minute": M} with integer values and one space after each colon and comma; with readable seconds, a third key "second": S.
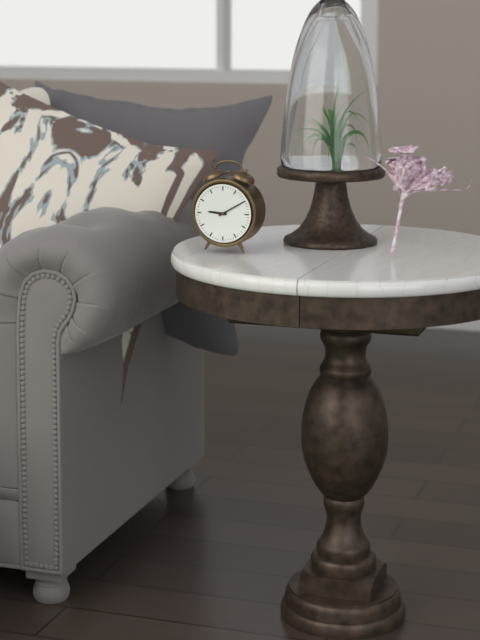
{"hour": 9, "minute": 10}
